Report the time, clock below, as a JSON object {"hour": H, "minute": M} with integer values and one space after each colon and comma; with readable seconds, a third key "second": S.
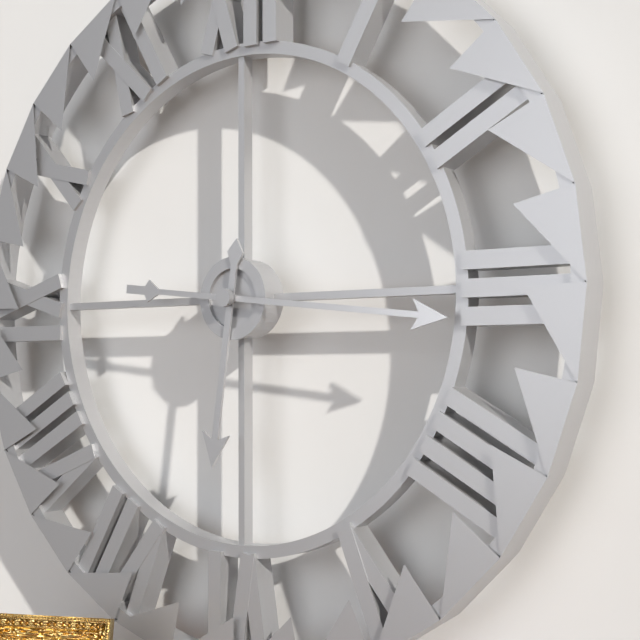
{"hour": 6, "minute": 16}
